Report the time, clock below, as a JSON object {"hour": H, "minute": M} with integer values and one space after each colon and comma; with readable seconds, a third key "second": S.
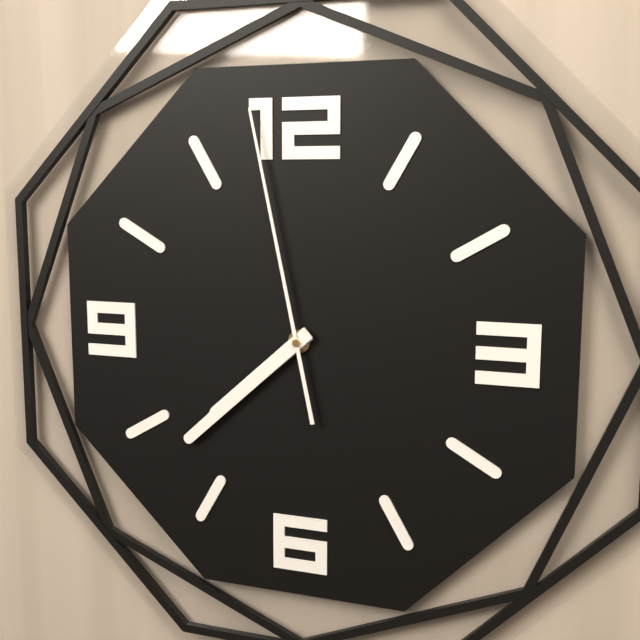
{"hour": 7, "minute": 38, "second": 58}
